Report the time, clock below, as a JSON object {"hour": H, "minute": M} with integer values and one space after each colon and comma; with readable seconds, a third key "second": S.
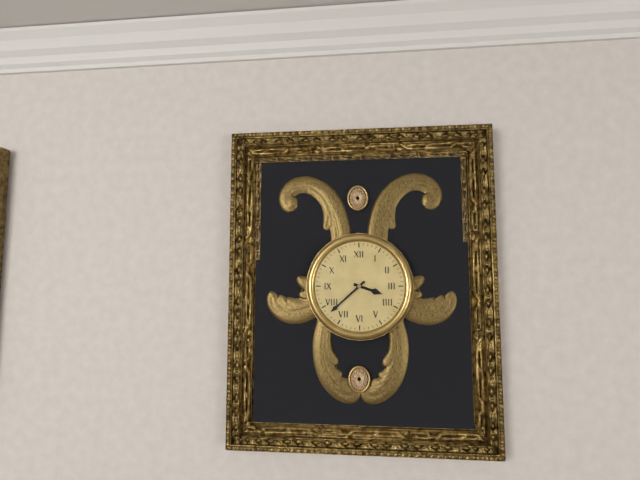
{"hour": 3, "minute": 38}
